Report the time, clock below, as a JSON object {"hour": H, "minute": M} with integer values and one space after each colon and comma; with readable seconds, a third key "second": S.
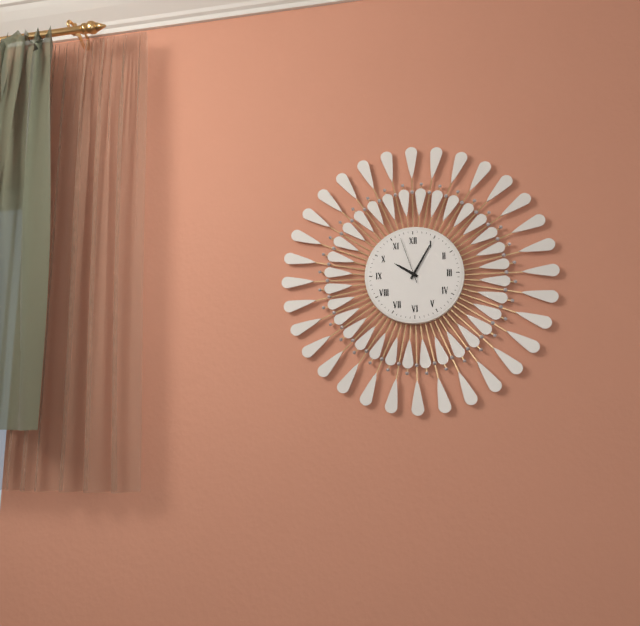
{"hour": 10, "minute": 5, "second": 57}
